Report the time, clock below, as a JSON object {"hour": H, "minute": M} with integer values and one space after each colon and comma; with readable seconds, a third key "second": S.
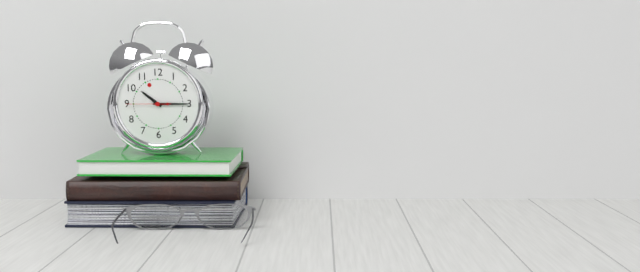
{"hour": 10, "minute": 15}
